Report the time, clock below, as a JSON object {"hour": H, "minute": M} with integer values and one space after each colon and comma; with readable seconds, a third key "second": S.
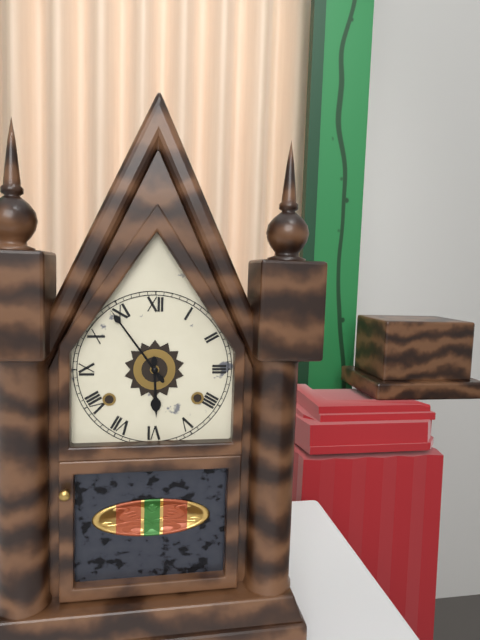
{"hour": 5, "minute": 54}
